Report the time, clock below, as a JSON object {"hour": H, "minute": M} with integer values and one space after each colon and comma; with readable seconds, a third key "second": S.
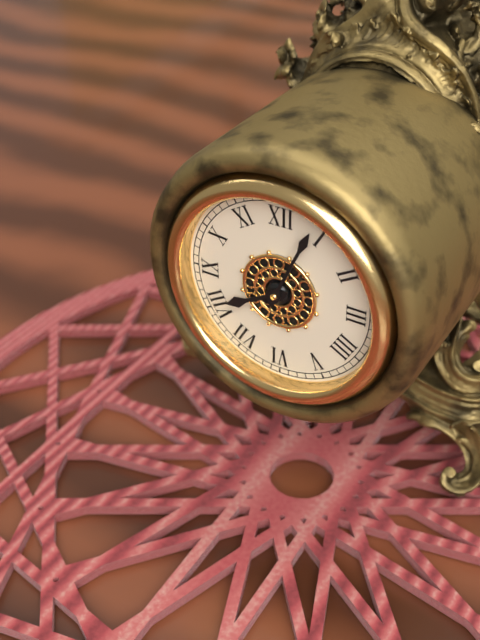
{"hour": 8, "minute": 4}
